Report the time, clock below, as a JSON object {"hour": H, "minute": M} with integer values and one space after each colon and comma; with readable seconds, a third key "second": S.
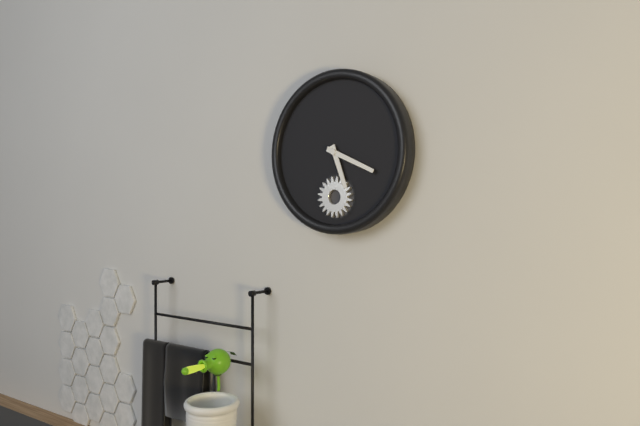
{"hour": 5, "minute": 19}
